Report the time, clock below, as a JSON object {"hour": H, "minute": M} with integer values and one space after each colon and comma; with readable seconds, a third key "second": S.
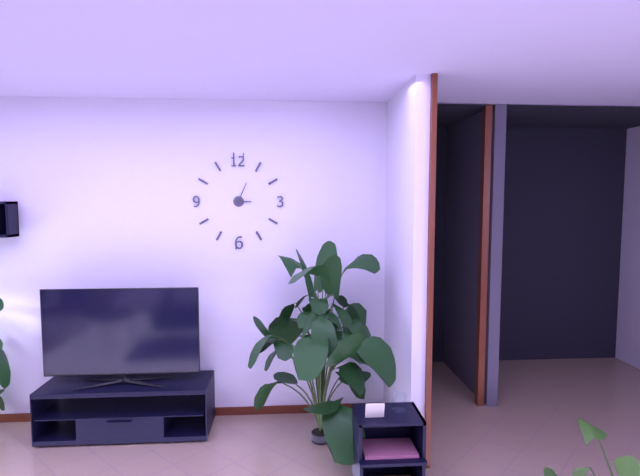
{"hour": 3, "minute": 4}
